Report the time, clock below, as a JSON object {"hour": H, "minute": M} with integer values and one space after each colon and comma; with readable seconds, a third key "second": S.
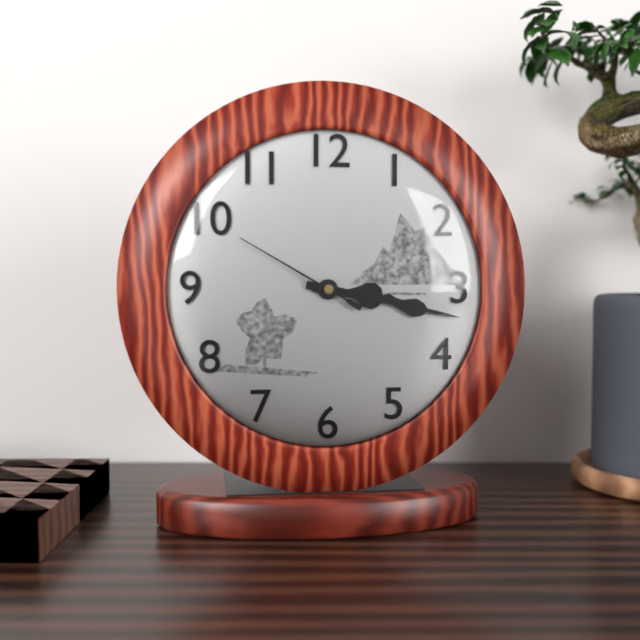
{"hour": 3, "minute": 17, "second": 50}
